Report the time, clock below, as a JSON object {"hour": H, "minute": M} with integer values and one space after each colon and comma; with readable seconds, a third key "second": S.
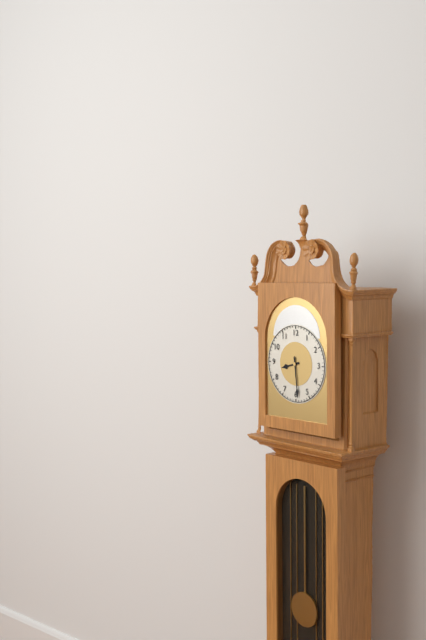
{"hour": 8, "minute": 29}
